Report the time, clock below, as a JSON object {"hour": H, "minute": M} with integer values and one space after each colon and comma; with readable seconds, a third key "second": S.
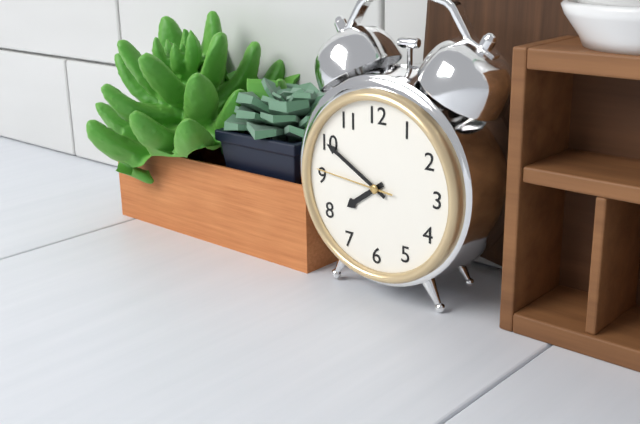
{"hour": 7, "minute": 50, "second": 46}
